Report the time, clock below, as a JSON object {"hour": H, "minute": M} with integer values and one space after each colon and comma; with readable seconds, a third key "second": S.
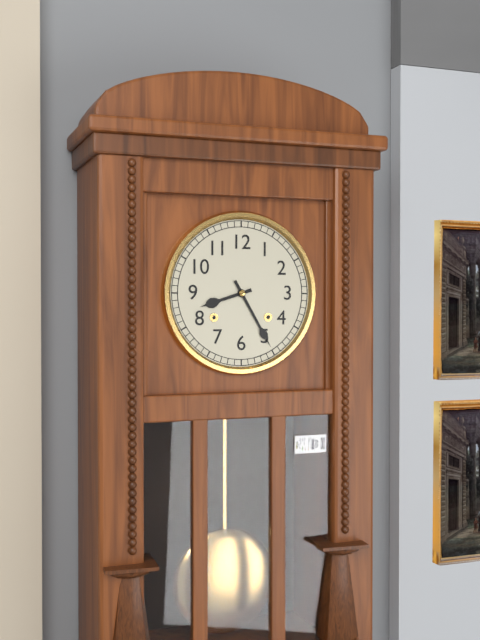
{"hour": 8, "minute": 25}
